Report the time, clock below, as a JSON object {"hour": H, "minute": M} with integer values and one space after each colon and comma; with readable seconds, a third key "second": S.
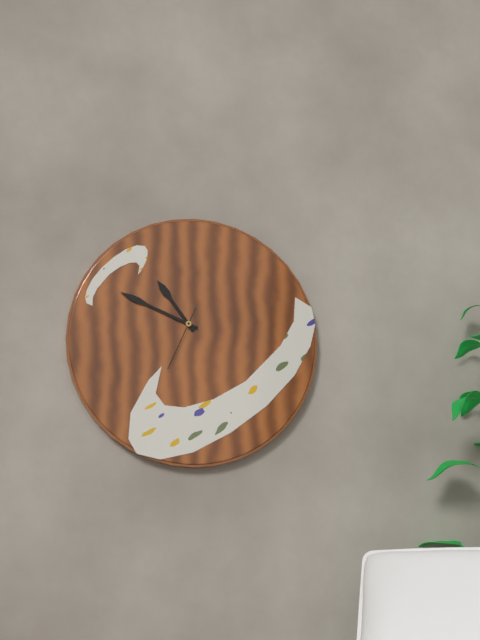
{"hour": 10, "minute": 49, "second": 34}
